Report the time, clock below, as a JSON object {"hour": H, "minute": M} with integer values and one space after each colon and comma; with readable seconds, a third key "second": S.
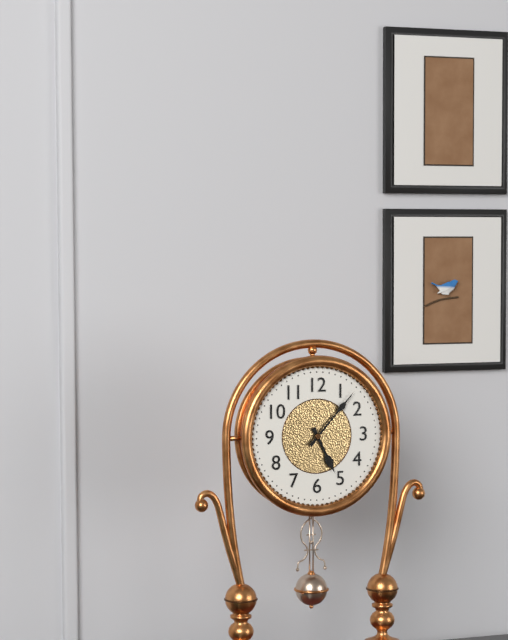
{"hour": 5, "minute": 7}
